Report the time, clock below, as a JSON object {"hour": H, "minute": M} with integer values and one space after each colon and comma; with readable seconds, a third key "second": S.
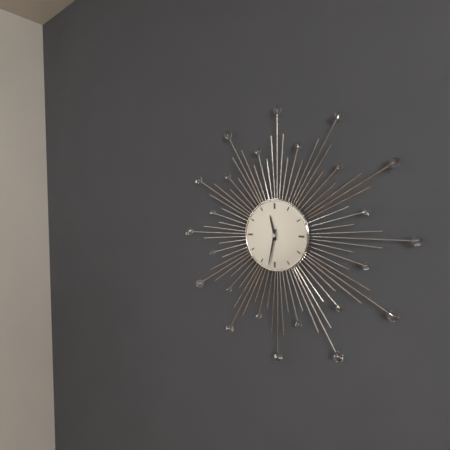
{"hour": 11, "minute": 32}
